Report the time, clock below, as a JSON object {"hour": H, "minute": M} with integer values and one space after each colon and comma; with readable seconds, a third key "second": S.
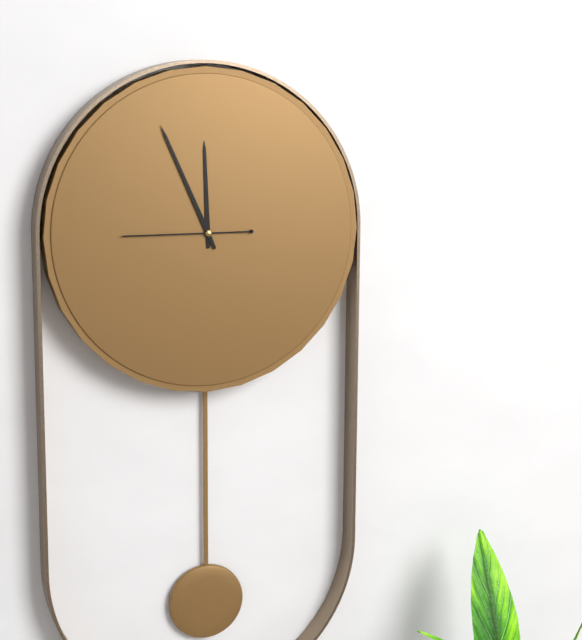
{"hour": 11, "minute": 56, "second": 45}
